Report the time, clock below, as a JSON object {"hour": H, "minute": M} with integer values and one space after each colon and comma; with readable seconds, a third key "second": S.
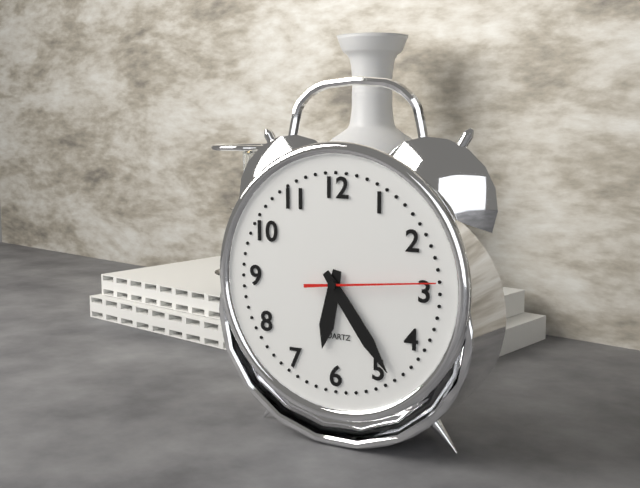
{"hour": 6, "minute": 24, "second": 14}
